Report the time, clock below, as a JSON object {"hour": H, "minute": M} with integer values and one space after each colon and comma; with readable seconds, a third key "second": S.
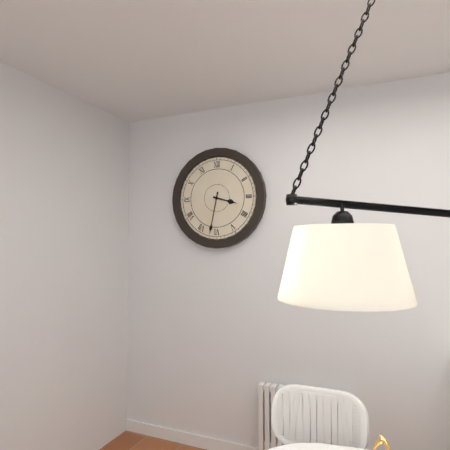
{"hour": 3, "minute": 32}
